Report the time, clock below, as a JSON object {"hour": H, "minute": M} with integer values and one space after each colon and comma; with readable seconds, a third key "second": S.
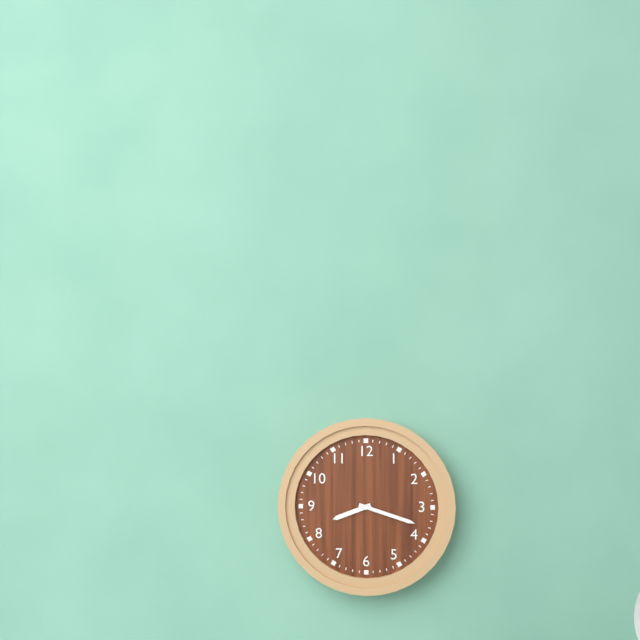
{"hour": 8, "minute": 18}
